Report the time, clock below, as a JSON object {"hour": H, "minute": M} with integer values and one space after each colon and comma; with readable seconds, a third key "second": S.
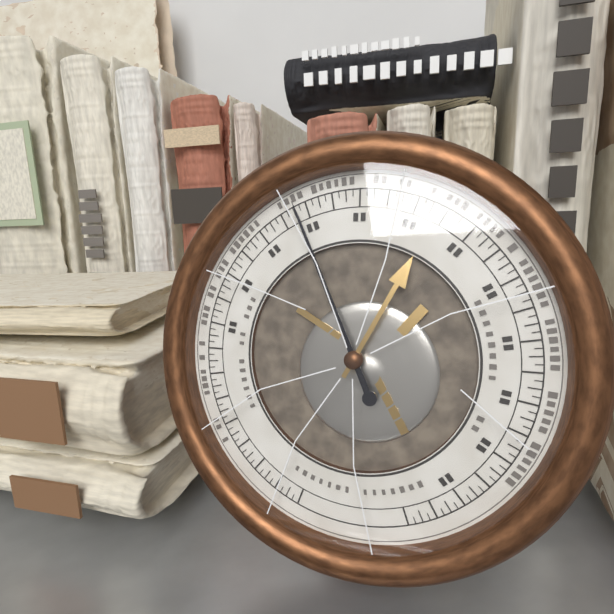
{"hour": 12, "minute": 56}
